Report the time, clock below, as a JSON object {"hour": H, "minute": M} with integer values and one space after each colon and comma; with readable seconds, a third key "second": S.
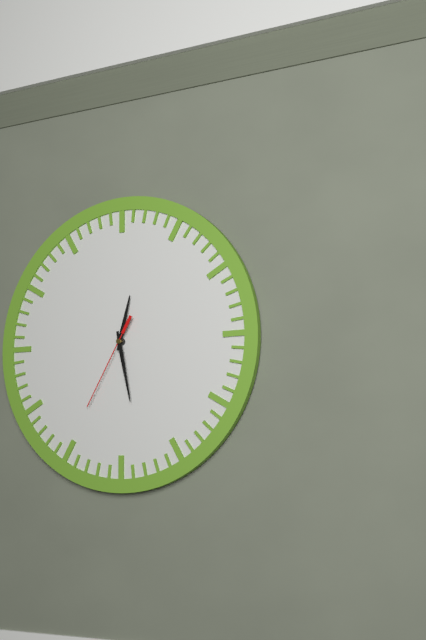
{"hour": 12, "minute": 28, "second": 35}
